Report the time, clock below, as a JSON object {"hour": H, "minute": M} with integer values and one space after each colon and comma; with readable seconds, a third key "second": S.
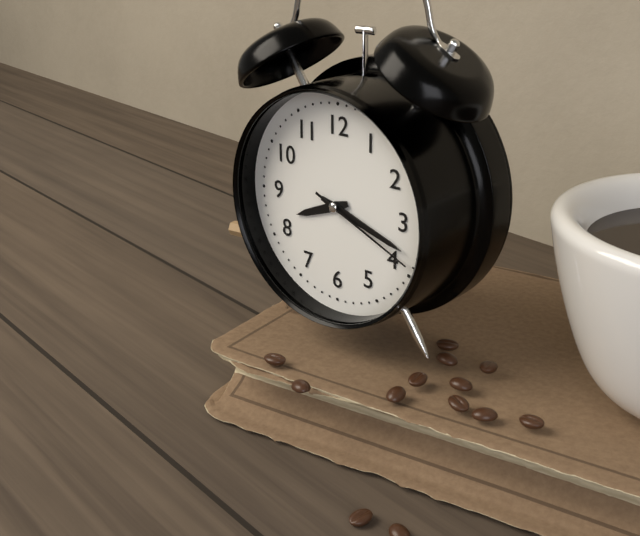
{"hour": 8, "minute": 18, "second": 19}
